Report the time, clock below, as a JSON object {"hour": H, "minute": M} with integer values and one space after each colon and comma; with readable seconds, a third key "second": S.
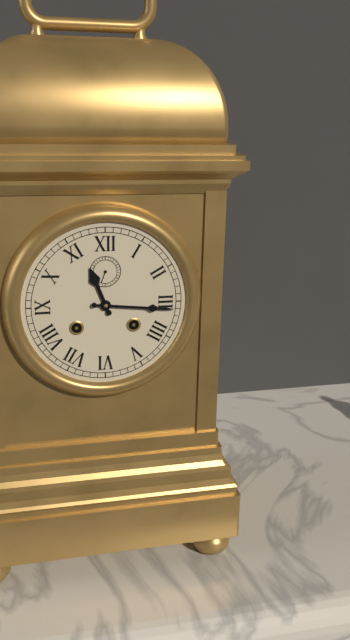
{"hour": 11, "minute": 16}
